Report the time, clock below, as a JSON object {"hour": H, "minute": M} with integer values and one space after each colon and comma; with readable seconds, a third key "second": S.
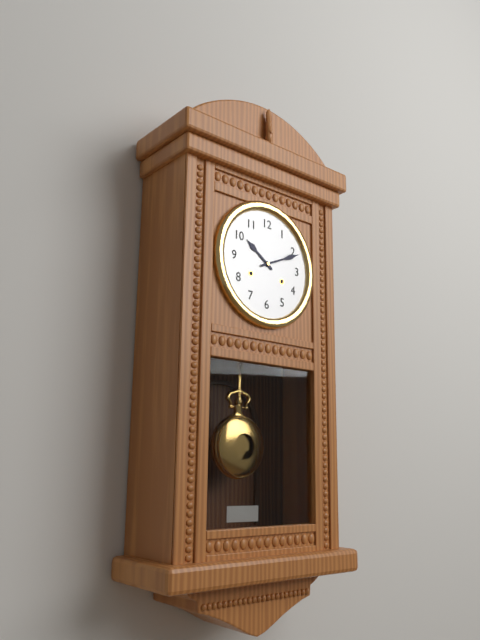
{"hour": 10, "minute": 11}
